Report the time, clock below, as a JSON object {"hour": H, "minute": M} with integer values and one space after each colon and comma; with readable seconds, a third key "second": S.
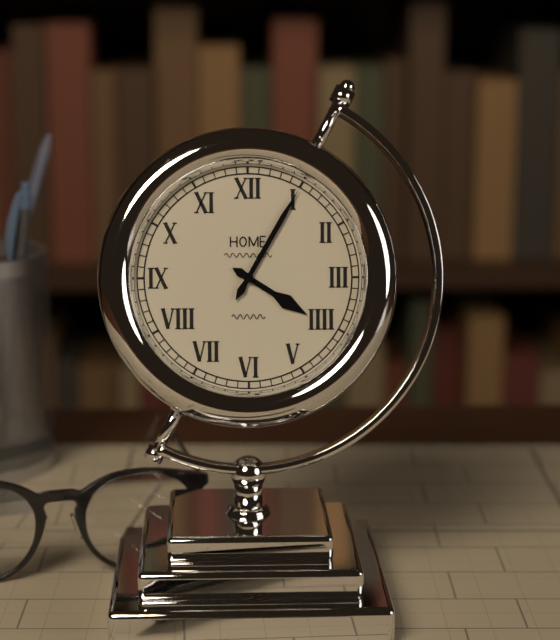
{"hour": 4, "minute": 5}
